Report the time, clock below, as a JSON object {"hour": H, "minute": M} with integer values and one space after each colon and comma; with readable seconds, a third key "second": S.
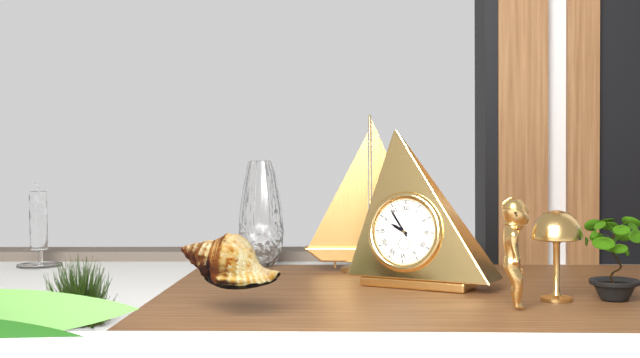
{"hour": 9, "minute": 54}
